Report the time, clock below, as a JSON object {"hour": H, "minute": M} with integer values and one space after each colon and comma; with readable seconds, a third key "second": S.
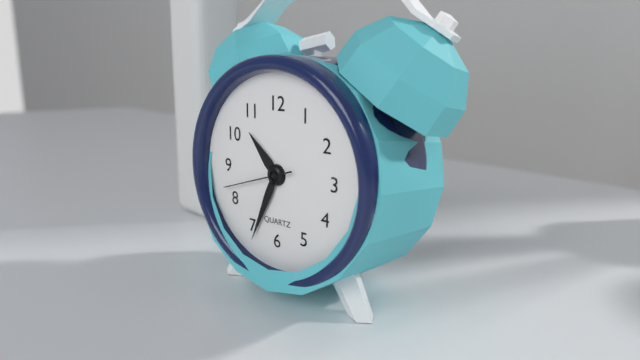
{"hour": 10, "minute": 34, "second": 42}
